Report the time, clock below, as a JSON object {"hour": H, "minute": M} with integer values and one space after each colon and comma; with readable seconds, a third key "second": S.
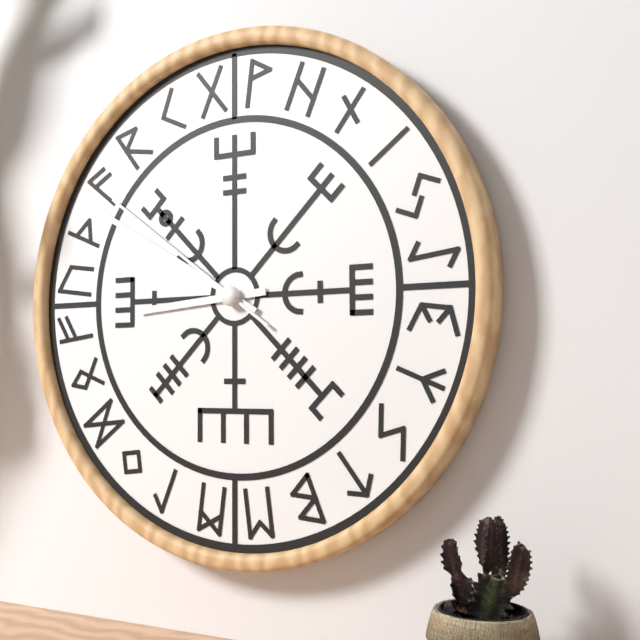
{"hour": 8, "minute": 50, "second": 51}
